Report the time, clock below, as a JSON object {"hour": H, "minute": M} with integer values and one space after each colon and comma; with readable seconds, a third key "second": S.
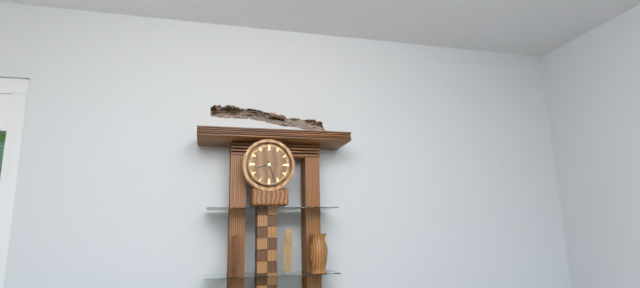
{"hour": 8, "minute": 27}
